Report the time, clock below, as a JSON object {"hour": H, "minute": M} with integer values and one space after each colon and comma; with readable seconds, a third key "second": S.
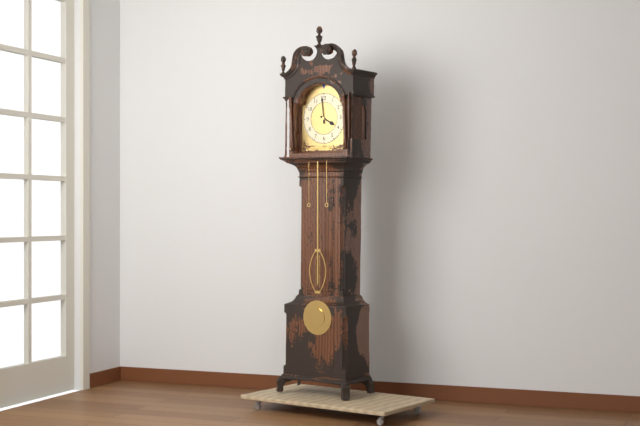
{"hour": 3, "minute": 59}
